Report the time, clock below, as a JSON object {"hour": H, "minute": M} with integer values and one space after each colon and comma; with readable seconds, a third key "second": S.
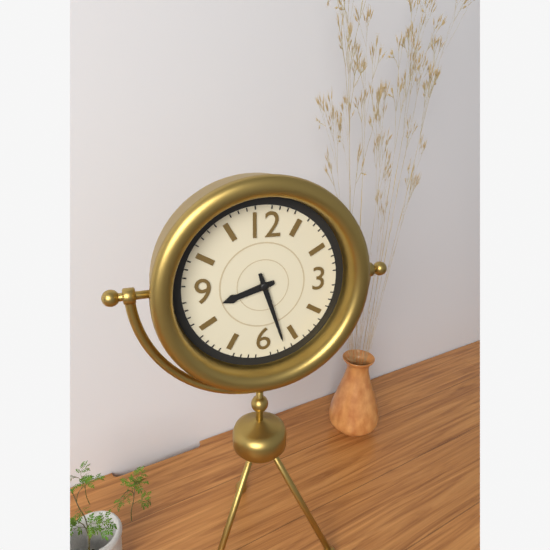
{"hour": 8, "minute": 27}
